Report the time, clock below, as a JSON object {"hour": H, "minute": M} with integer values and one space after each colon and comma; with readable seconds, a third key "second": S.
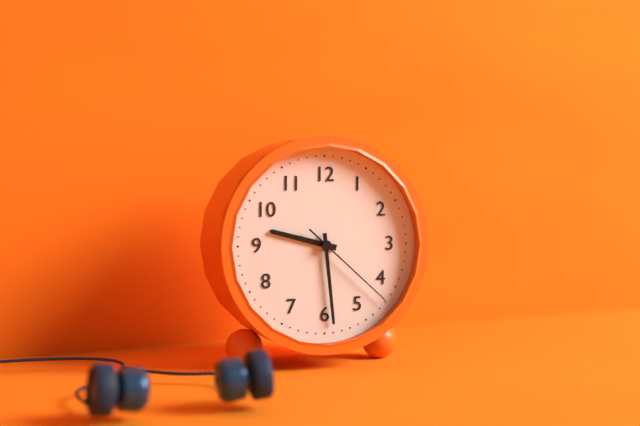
{"hour": 9, "minute": 29, "second": 22}
